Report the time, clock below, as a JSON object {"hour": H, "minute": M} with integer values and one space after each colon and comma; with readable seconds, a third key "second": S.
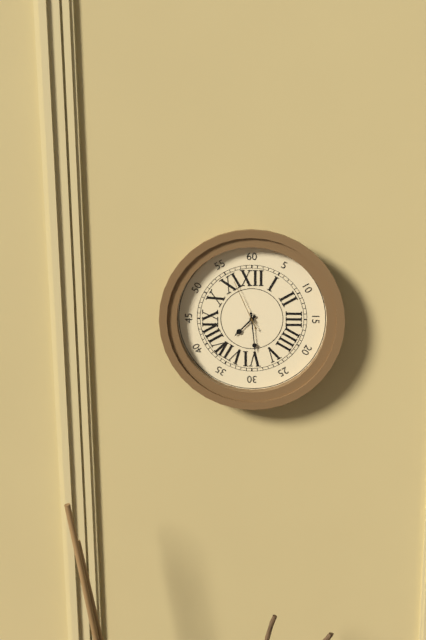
{"hour": 7, "minute": 29, "second": 56}
